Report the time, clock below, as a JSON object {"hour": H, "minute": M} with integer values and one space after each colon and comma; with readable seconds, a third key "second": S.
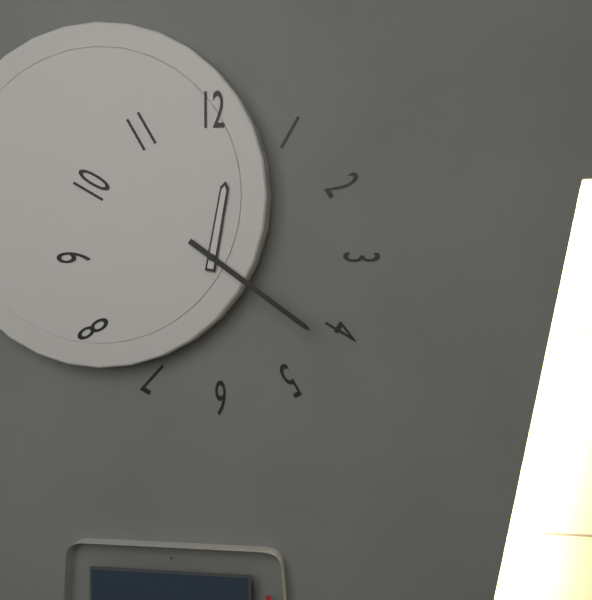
{"hour": 12, "minute": 21}
